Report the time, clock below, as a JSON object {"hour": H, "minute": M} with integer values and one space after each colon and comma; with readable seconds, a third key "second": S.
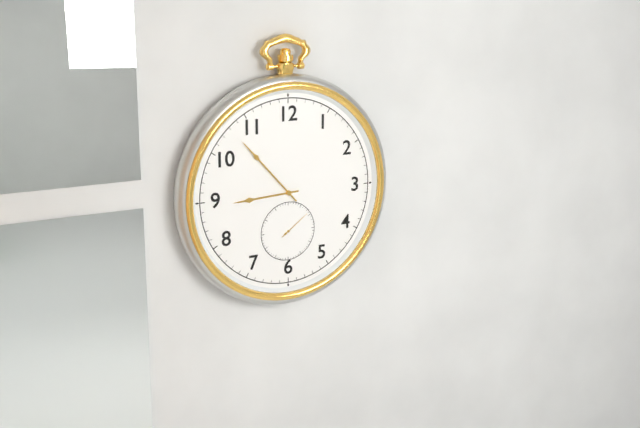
{"hour": 8, "minute": 53}
